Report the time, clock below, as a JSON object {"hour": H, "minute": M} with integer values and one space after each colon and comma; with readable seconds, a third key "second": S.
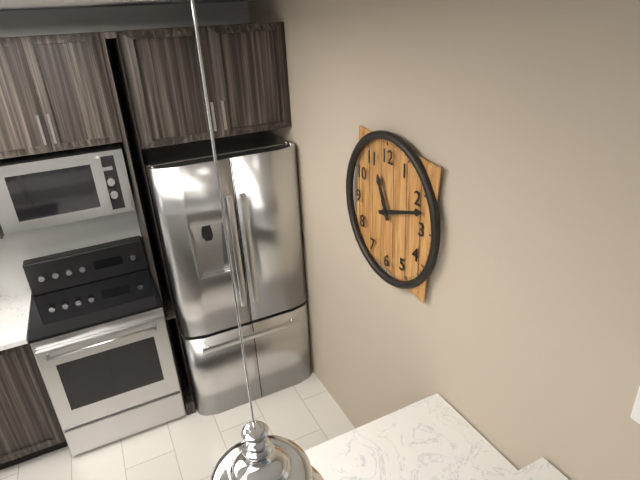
{"hour": 11, "minute": 12}
